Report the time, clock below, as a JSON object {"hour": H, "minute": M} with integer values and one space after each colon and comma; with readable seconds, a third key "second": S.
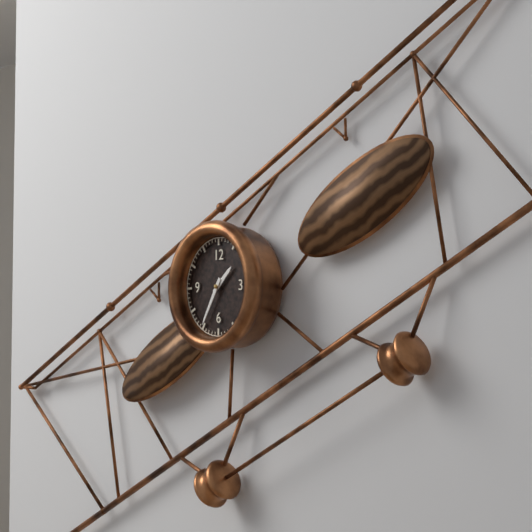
{"hour": 1, "minute": 35}
